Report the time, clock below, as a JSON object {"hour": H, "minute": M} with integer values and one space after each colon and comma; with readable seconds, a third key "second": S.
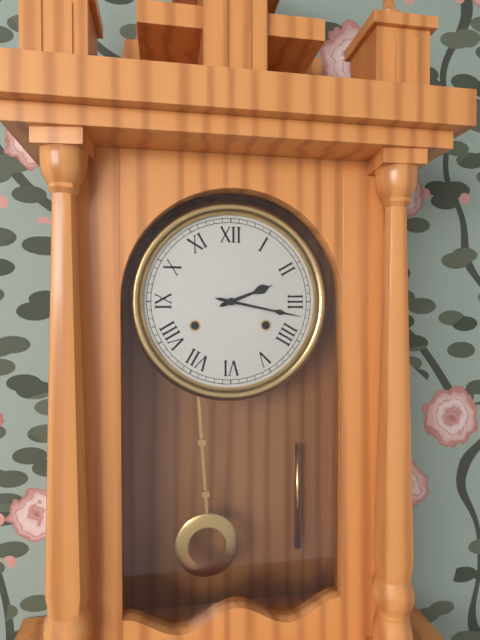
{"hour": 2, "minute": 17}
